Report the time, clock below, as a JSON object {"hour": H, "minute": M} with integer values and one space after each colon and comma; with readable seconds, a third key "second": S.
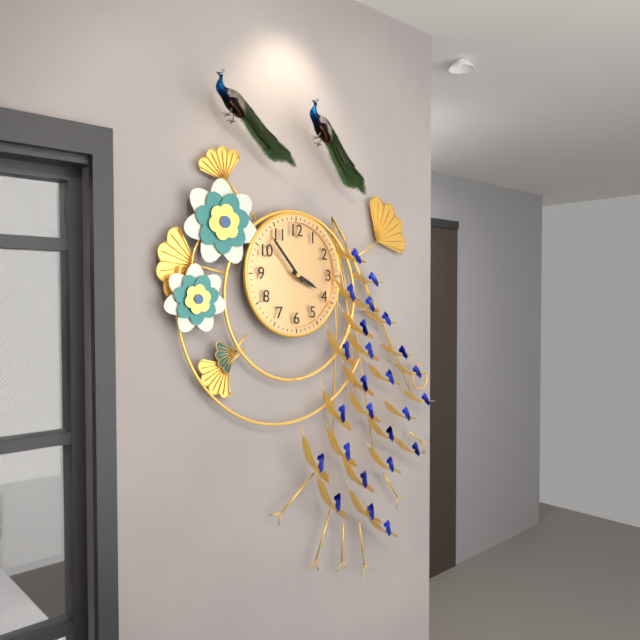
{"hour": 3, "minute": 53}
